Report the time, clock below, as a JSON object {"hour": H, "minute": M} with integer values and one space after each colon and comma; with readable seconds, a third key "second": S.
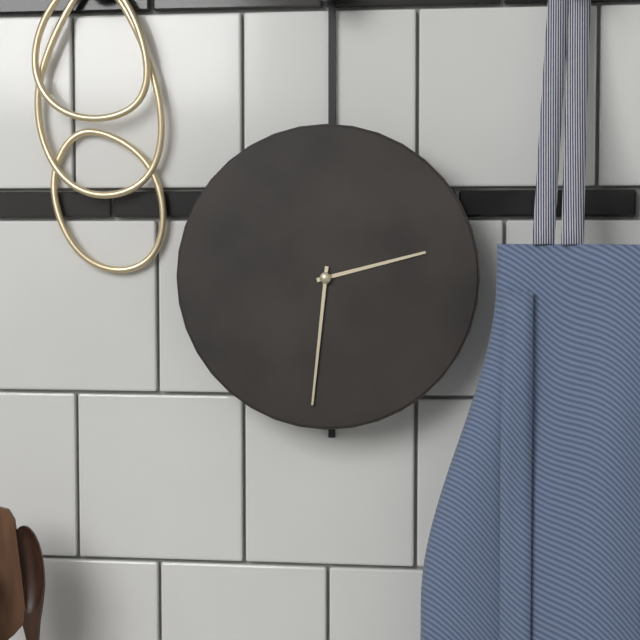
{"hour": 2, "minute": 31}
